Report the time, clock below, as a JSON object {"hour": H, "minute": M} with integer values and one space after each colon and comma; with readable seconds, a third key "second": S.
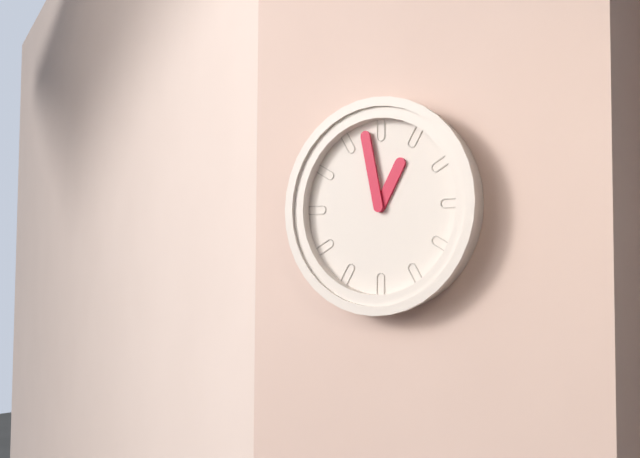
{"hour": 12, "minute": 58}
